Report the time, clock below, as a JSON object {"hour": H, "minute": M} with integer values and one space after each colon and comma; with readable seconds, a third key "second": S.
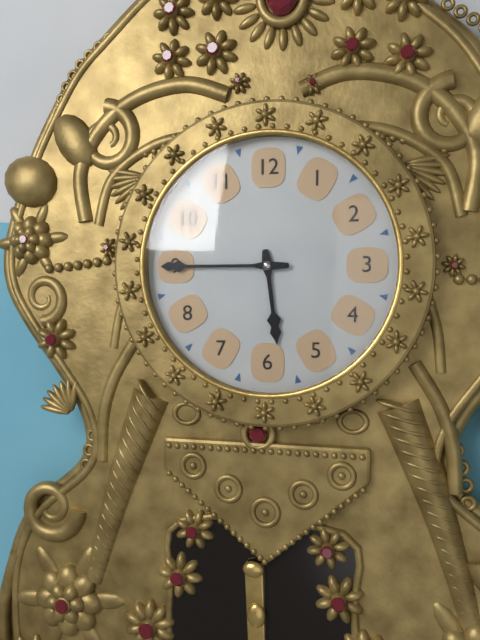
{"hour": 5, "minute": 45}
